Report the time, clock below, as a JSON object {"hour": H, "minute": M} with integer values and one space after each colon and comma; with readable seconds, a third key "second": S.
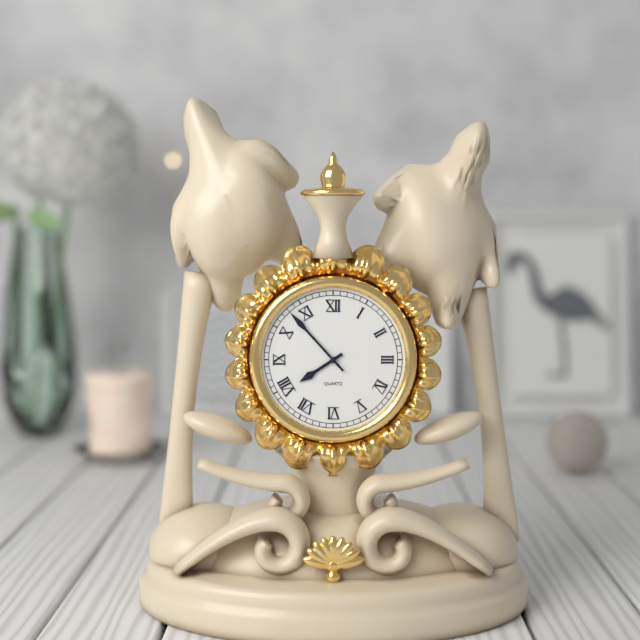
{"hour": 7, "minute": 53}
